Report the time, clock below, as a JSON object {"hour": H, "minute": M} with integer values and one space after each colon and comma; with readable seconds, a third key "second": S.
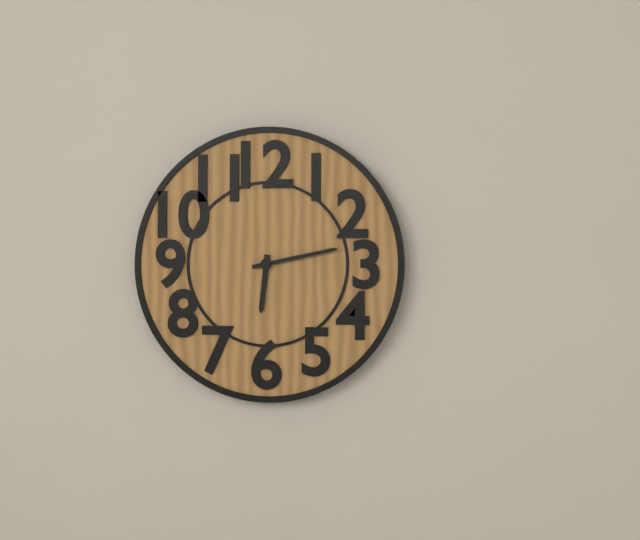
{"hour": 6, "minute": 13}
